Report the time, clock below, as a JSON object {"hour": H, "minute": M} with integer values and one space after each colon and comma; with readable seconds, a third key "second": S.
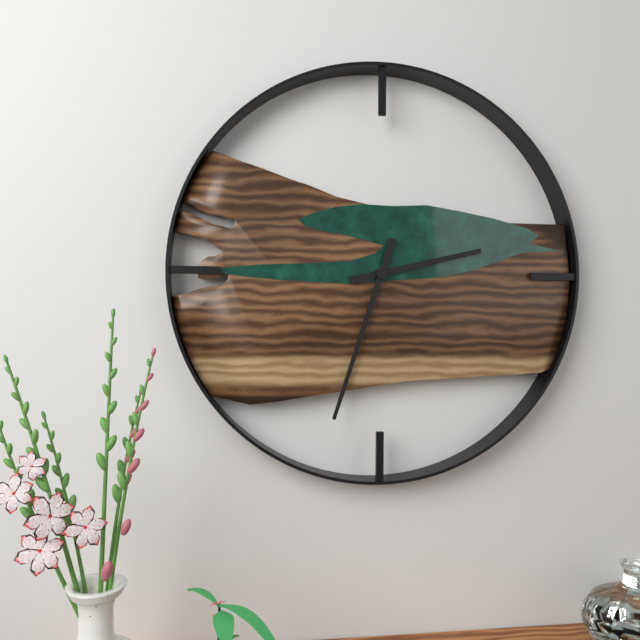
{"hour": 2, "minute": 33}
